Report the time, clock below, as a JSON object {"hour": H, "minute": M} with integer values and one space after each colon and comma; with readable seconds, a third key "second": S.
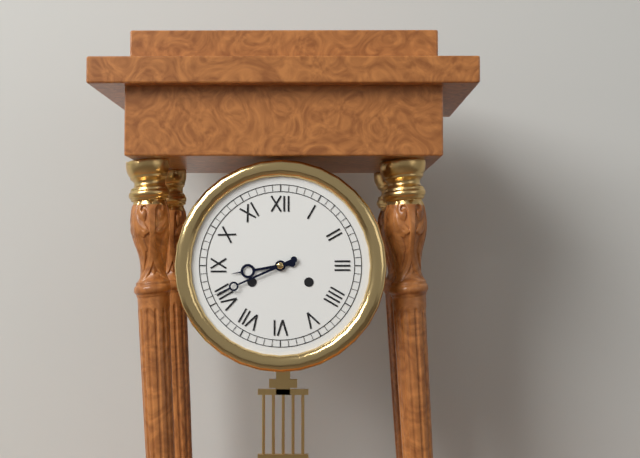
{"hour": 8, "minute": 41}
